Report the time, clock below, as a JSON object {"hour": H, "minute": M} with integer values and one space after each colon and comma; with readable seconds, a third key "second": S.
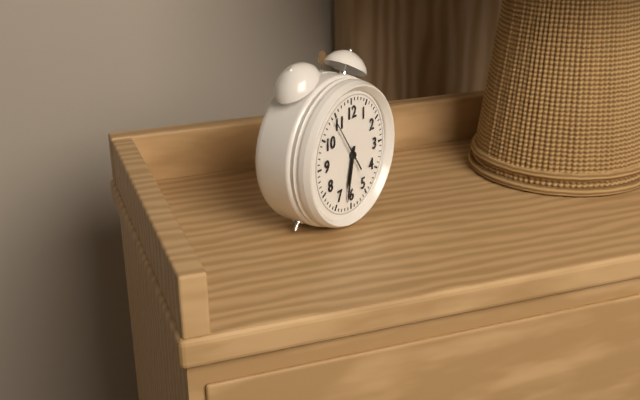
{"hour": 6, "minute": 32}
